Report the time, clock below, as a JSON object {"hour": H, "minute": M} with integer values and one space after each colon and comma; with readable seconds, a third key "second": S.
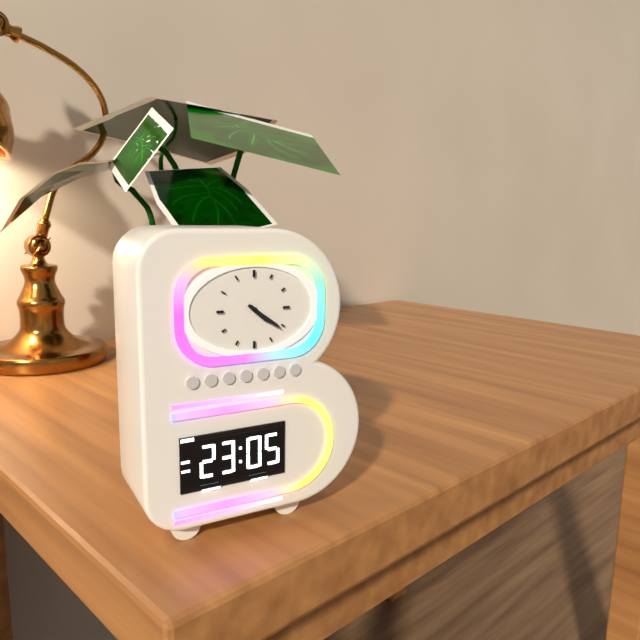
{"hour": 4, "minute": 21}
